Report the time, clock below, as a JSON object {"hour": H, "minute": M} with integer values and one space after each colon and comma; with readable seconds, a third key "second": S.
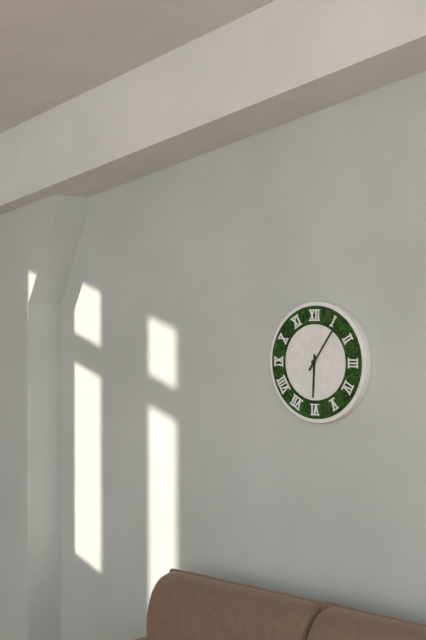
{"hour": 6, "minute": 6}
